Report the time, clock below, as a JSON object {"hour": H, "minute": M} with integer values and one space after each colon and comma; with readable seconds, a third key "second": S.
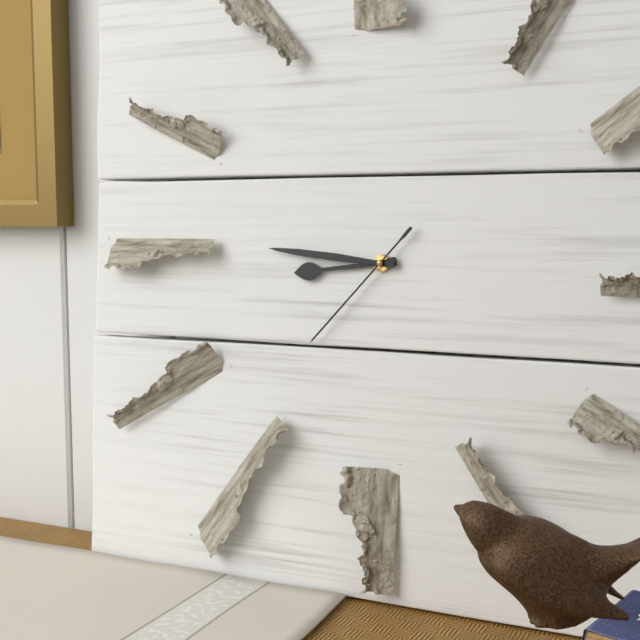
{"hour": 8, "minute": 46, "second": 37}
